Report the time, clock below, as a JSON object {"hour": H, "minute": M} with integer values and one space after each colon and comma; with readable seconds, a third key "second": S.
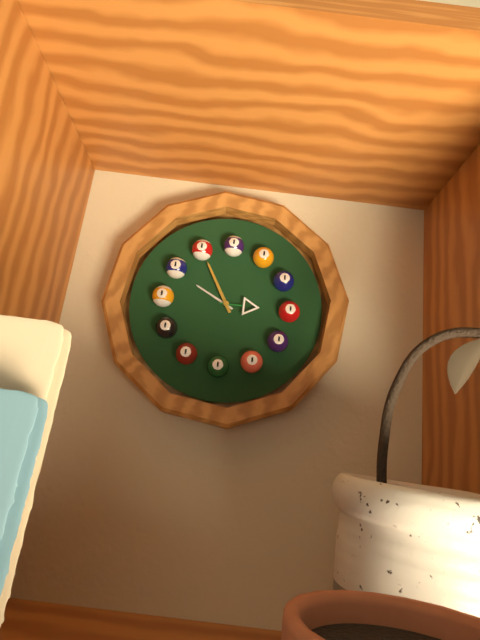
{"hour": 9, "minute": 55}
